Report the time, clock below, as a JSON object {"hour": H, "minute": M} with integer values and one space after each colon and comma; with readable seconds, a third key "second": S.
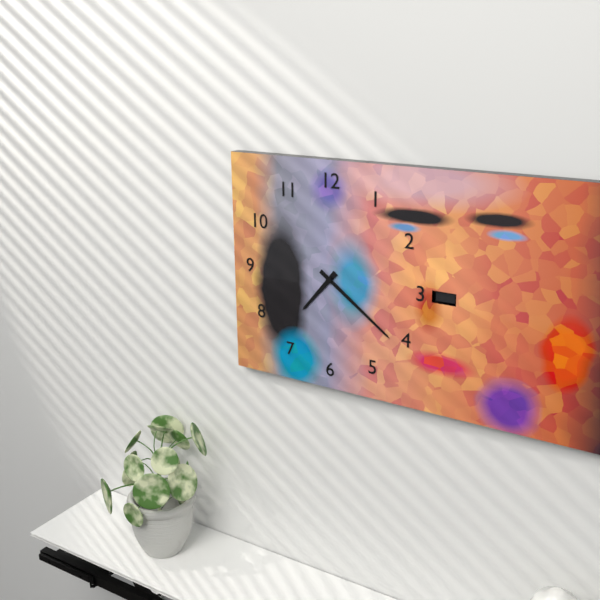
{"hour": 7, "minute": 21}
